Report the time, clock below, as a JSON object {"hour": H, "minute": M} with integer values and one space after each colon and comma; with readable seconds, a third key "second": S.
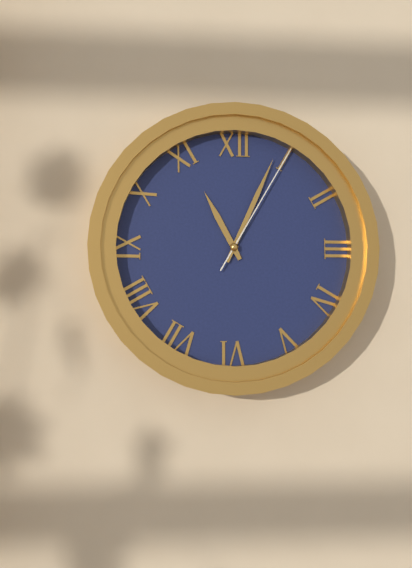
{"hour": 11, "minute": 4, "second": 5}
